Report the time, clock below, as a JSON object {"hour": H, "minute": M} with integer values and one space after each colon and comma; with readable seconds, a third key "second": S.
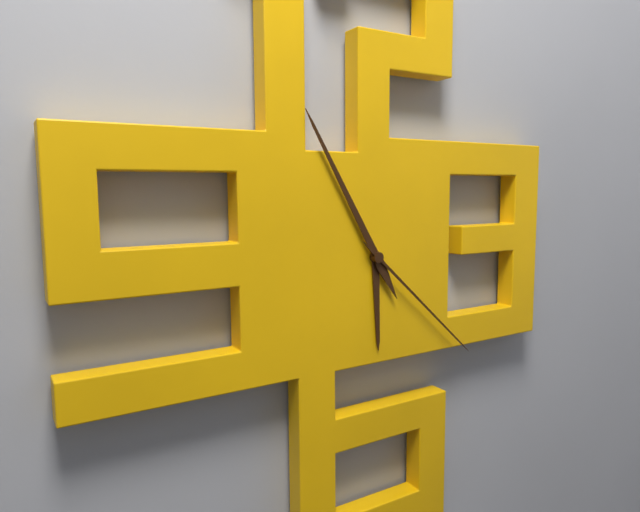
{"hour": 5, "minute": 55, "second": 22}
